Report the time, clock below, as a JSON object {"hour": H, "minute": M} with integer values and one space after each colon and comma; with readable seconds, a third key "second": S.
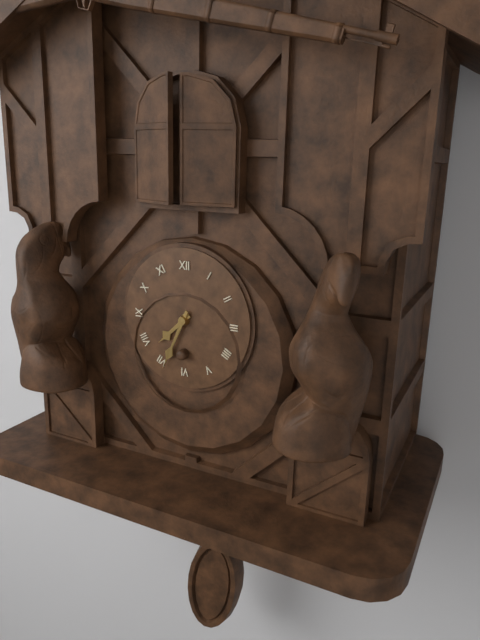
{"hour": 7, "minute": 34}
